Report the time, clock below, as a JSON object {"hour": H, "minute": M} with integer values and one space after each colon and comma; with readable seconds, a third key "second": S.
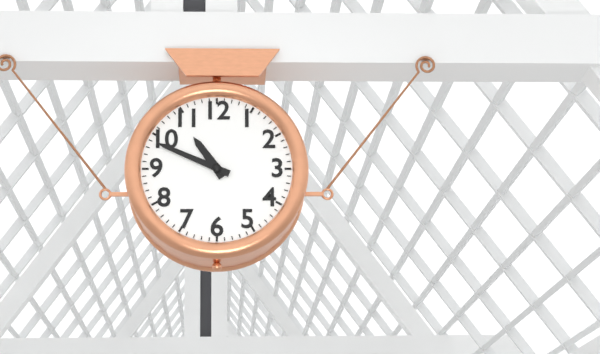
{"hour": 10, "minute": 49}
